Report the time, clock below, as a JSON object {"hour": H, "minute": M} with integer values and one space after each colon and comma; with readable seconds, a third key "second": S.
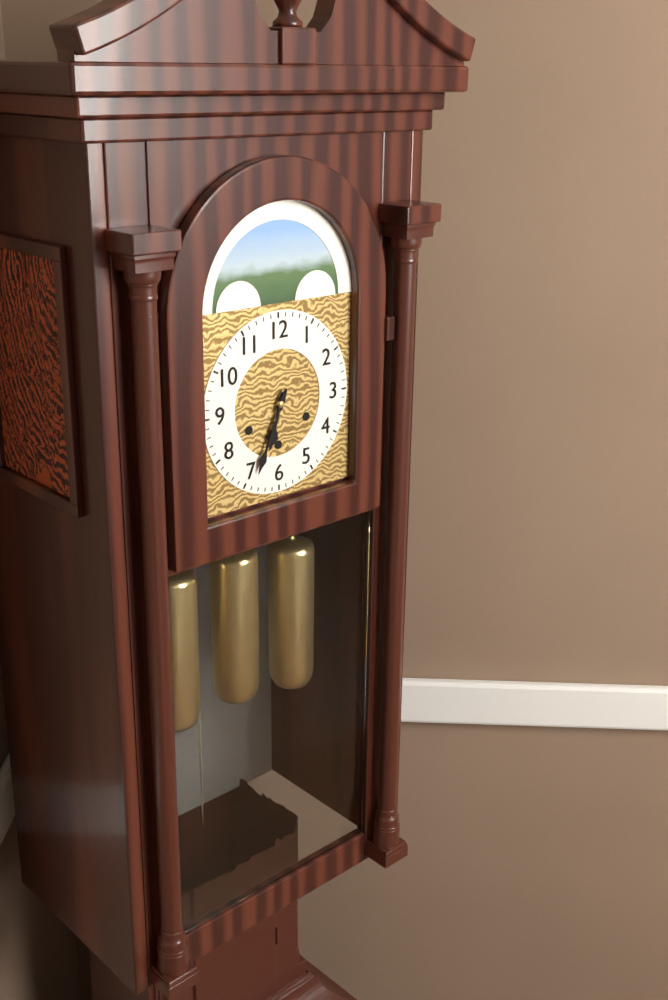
{"hour": 6, "minute": 34}
